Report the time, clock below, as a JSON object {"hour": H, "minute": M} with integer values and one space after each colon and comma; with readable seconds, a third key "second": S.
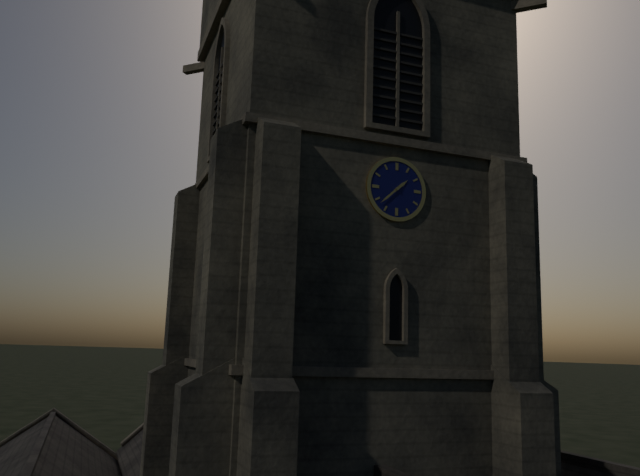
{"hour": 1, "minute": 38}
